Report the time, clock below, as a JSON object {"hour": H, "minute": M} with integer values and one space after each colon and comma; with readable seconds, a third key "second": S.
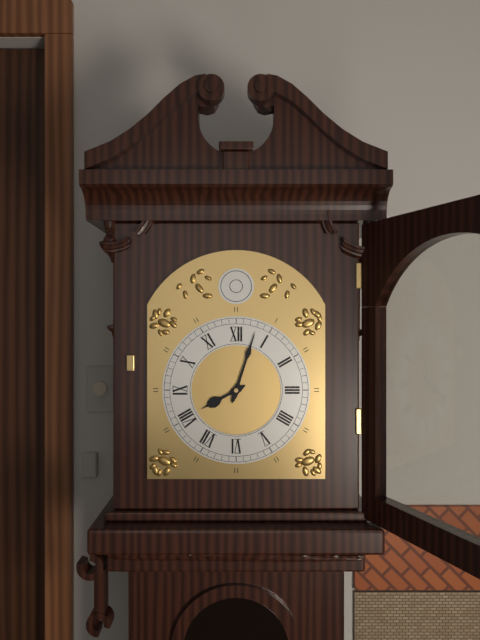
{"hour": 8, "minute": 3}
